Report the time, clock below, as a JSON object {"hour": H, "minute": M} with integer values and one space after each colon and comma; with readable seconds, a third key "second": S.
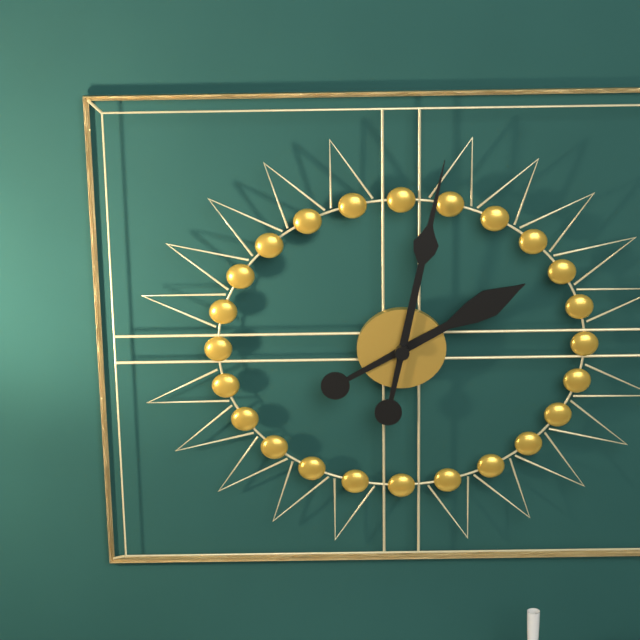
{"hour": 2, "minute": 2}
